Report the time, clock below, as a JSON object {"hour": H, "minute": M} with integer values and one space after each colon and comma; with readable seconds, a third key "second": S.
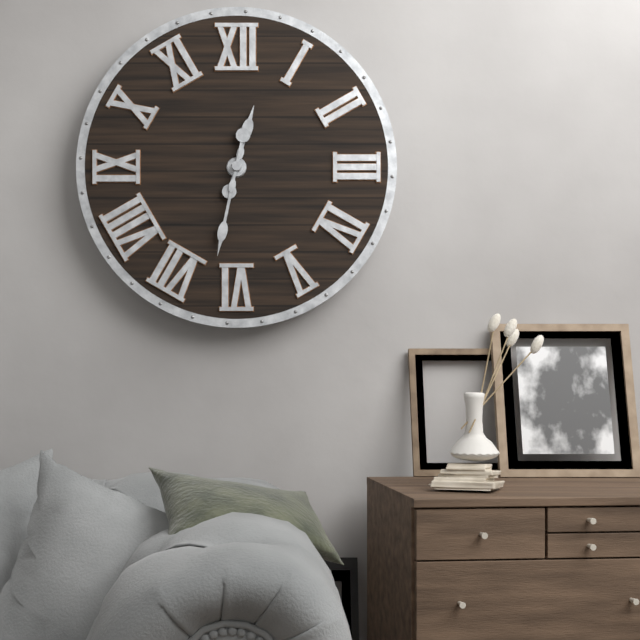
{"hour": 12, "minute": 32}
